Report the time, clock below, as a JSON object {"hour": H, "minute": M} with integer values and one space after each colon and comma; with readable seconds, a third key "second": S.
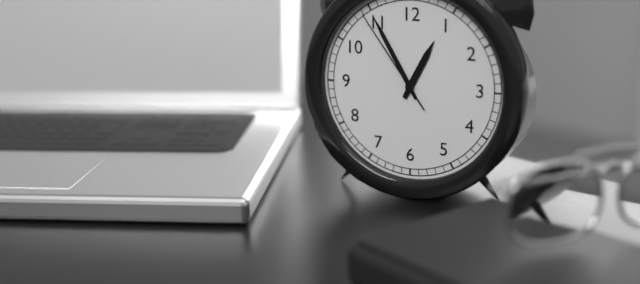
{"hour": 12, "minute": 55, "second": 54}
